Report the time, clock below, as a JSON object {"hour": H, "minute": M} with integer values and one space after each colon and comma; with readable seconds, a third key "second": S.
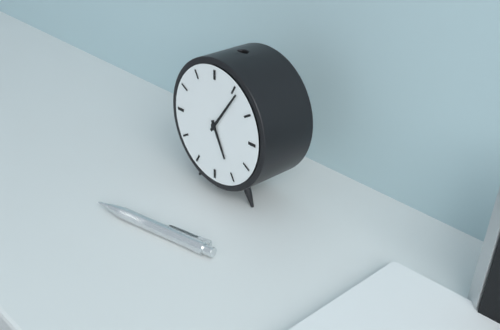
{"hour": 5, "minute": 6}
